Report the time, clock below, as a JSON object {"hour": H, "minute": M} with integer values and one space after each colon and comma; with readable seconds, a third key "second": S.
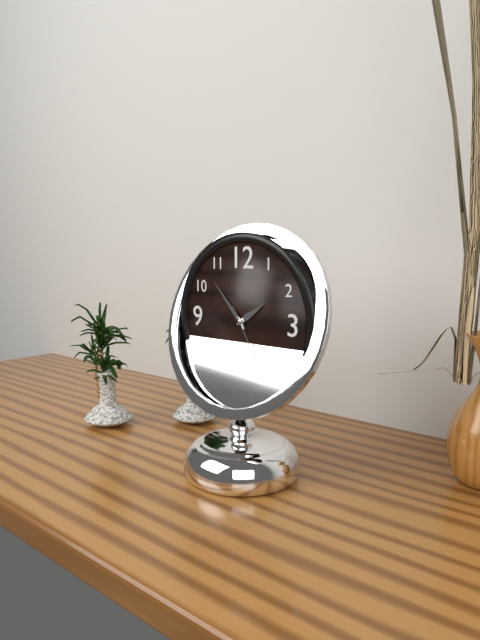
{"hour": 1, "minute": 53}
